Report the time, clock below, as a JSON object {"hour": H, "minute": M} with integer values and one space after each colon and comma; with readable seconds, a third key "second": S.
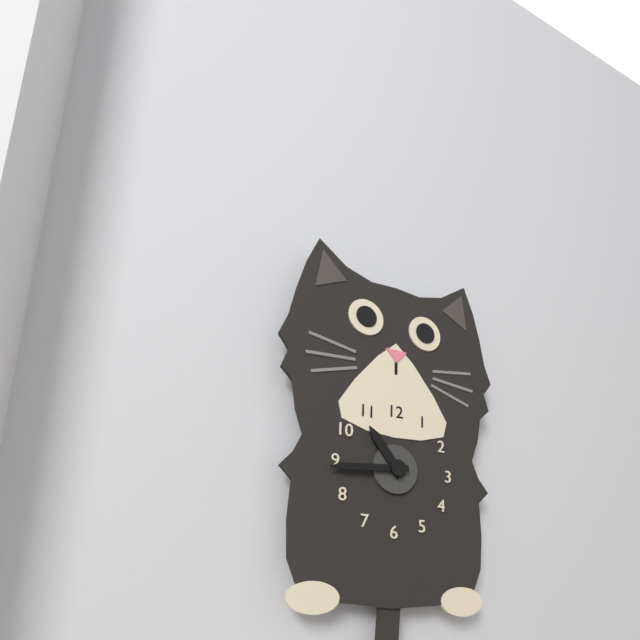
{"hour": 10, "minute": 44}
